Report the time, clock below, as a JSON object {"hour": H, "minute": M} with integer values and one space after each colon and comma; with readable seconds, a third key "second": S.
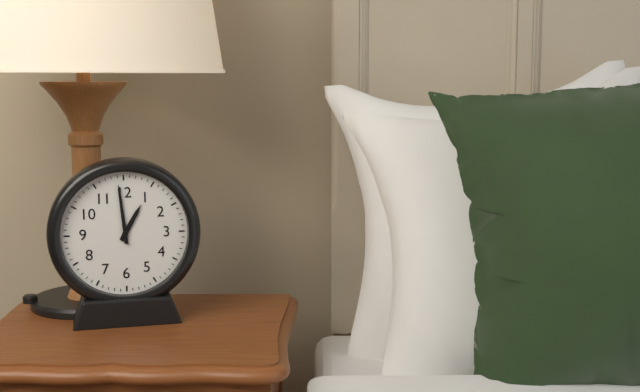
{"hour": 12, "minute": 59}
